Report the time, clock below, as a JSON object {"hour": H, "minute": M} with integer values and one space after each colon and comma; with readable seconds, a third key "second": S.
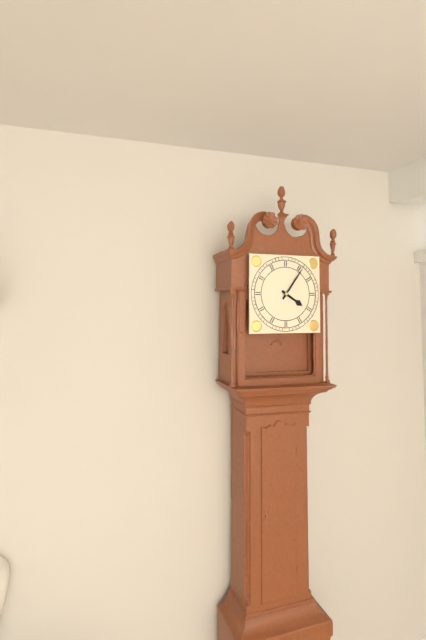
{"hour": 4, "minute": 6}
